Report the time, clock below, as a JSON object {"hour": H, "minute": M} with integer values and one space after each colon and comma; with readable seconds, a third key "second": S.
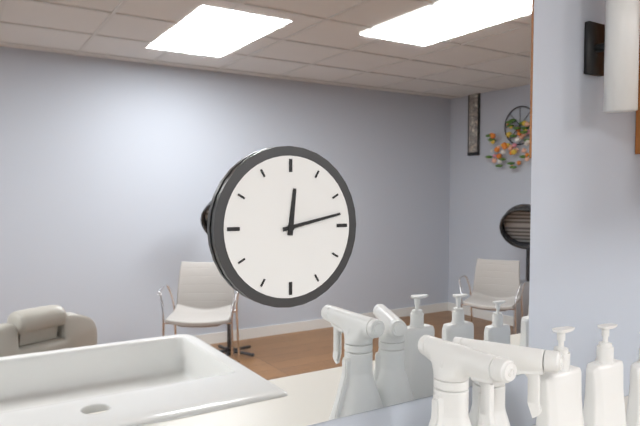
{"hour": 12, "minute": 13}
